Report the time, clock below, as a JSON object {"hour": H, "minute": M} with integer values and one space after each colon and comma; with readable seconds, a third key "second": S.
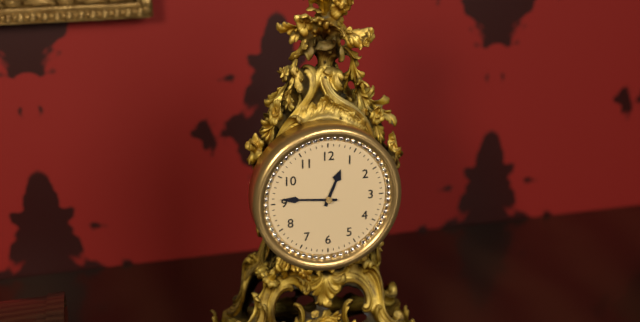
{"hour": 12, "minute": 46}
